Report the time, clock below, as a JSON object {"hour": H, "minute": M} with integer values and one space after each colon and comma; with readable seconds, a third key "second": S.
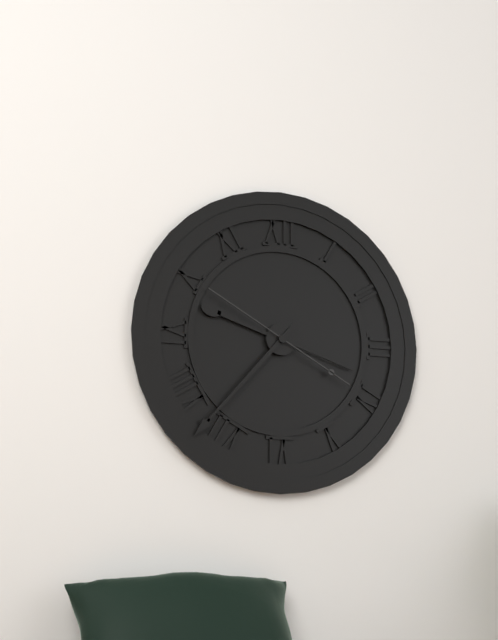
{"hour": 9, "minute": 37, "second": 50}
